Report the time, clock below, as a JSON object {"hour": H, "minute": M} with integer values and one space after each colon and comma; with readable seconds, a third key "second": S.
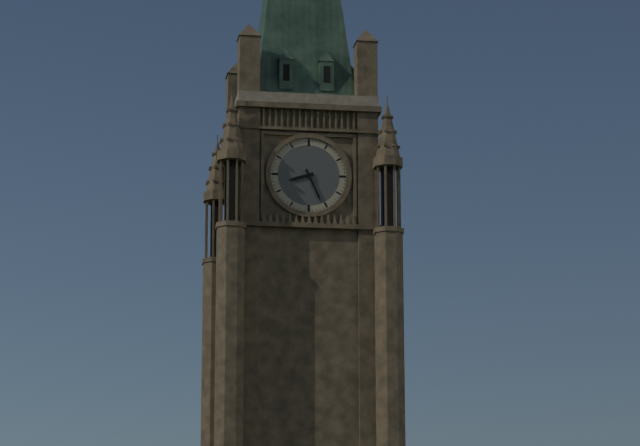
{"hour": 8, "minute": 26}
